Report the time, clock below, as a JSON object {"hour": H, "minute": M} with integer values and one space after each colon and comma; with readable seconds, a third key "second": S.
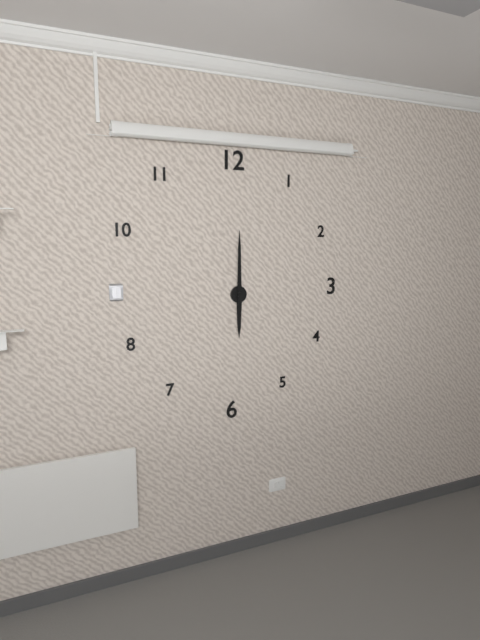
{"hour": 6, "minute": 0}
